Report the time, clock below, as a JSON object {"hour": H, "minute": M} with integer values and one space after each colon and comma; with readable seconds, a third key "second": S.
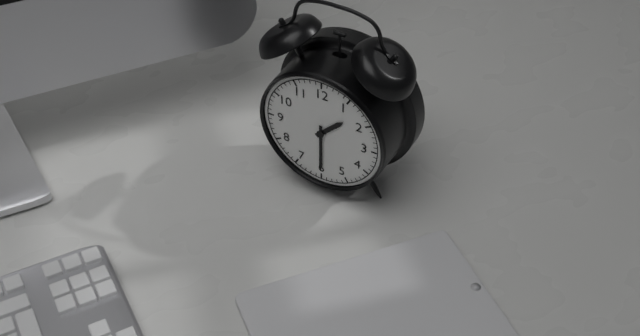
{"hour": 1, "minute": 30}
